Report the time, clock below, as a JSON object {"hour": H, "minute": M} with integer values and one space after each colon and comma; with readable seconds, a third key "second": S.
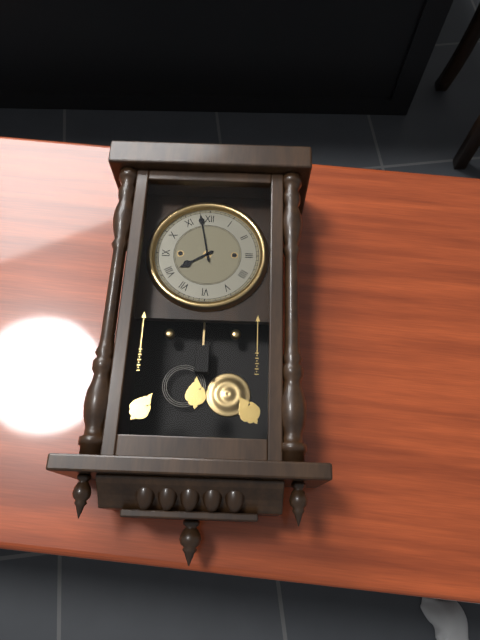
{"hour": 7, "minute": 58}
